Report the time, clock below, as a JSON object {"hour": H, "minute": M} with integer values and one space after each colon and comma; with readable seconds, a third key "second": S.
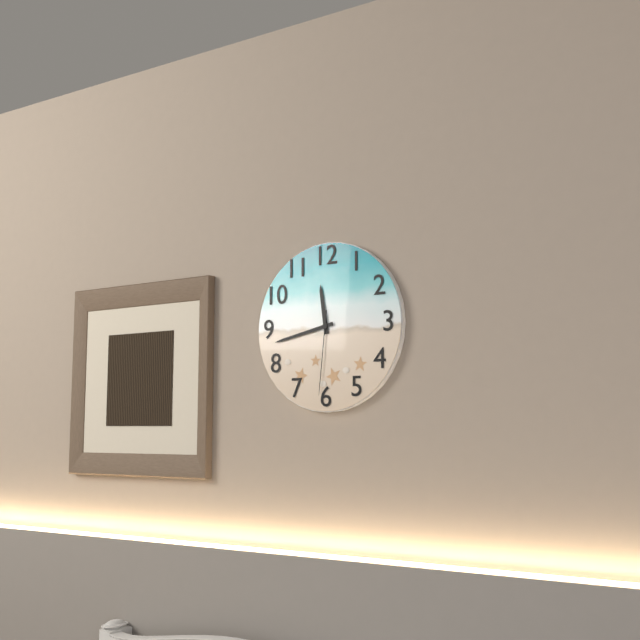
{"hour": 11, "minute": 43, "second": 31}
